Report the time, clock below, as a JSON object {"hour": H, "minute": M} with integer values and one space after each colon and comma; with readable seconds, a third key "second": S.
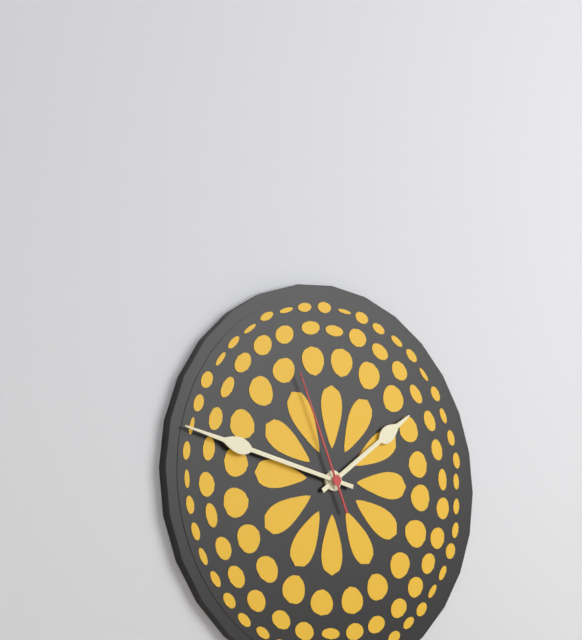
{"hour": 1, "minute": 47, "second": 56}
